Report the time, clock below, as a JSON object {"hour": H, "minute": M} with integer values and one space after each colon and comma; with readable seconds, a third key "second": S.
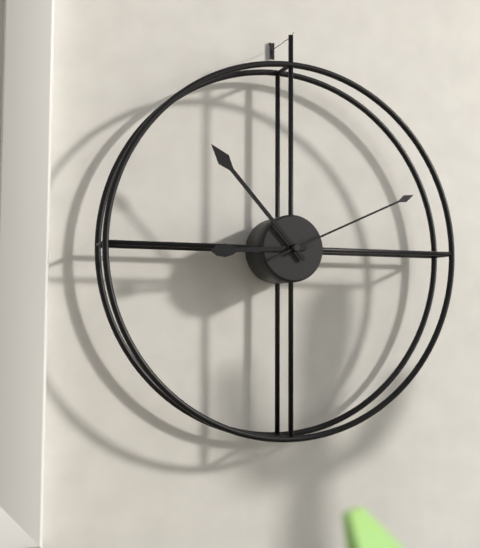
{"hour": 8, "minute": 53, "second": 11}
